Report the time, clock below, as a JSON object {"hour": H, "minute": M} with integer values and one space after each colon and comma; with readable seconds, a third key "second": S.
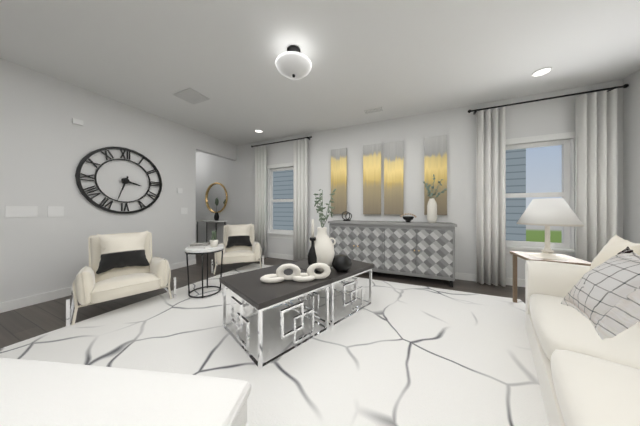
{"hour": 3, "minute": 33}
